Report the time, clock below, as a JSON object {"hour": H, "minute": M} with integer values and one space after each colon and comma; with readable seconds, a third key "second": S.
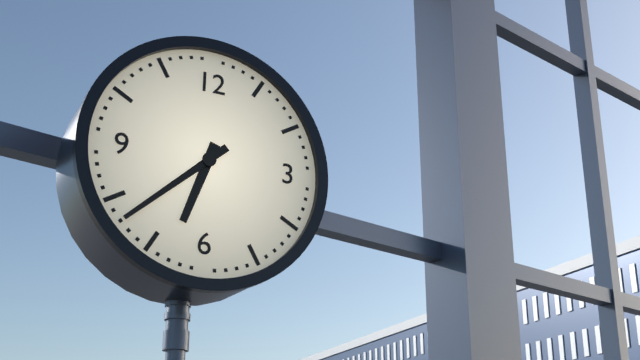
{"hour": 6, "minute": 38}
